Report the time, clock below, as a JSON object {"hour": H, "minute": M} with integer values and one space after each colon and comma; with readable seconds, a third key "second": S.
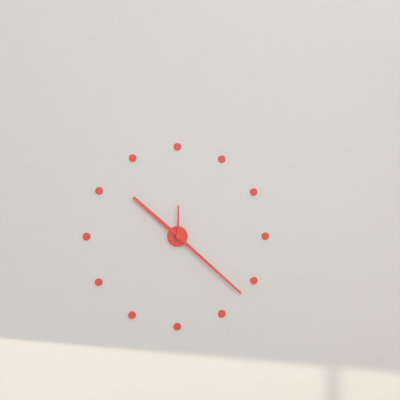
{"hour": 10, "minute": 22}
